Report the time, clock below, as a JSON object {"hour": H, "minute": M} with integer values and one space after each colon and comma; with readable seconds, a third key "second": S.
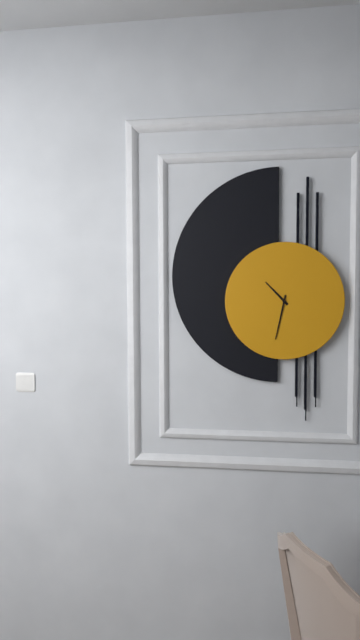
{"hour": 10, "minute": 32}
